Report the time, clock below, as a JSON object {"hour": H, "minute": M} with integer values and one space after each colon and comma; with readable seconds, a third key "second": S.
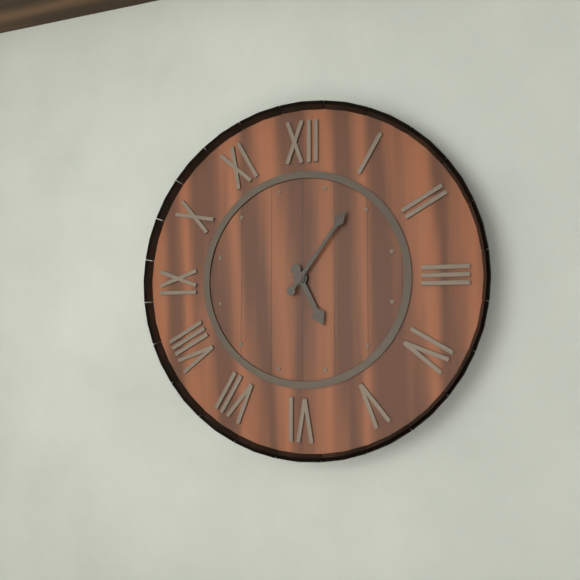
{"hour": 5, "minute": 6}
